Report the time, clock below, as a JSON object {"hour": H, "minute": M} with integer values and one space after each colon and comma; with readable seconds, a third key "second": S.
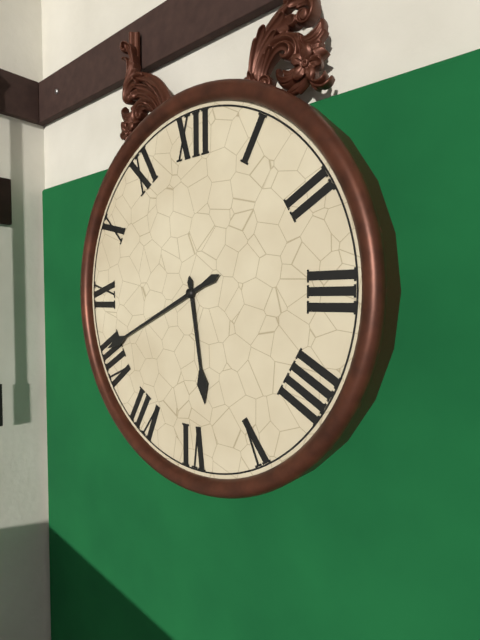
{"hour": 5, "minute": 41}
